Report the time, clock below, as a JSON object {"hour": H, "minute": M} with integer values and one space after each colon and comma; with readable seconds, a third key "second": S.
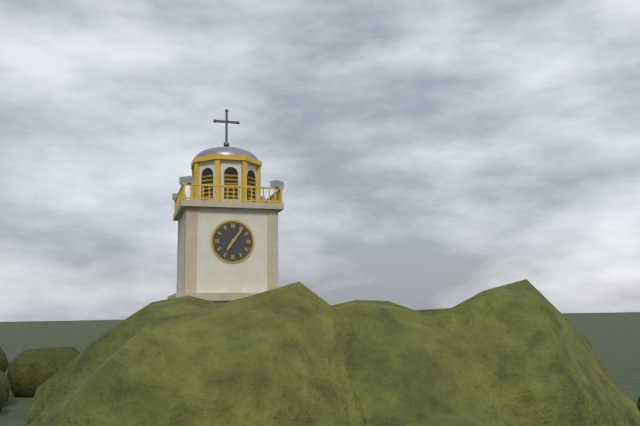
{"hour": 7, "minute": 6}
